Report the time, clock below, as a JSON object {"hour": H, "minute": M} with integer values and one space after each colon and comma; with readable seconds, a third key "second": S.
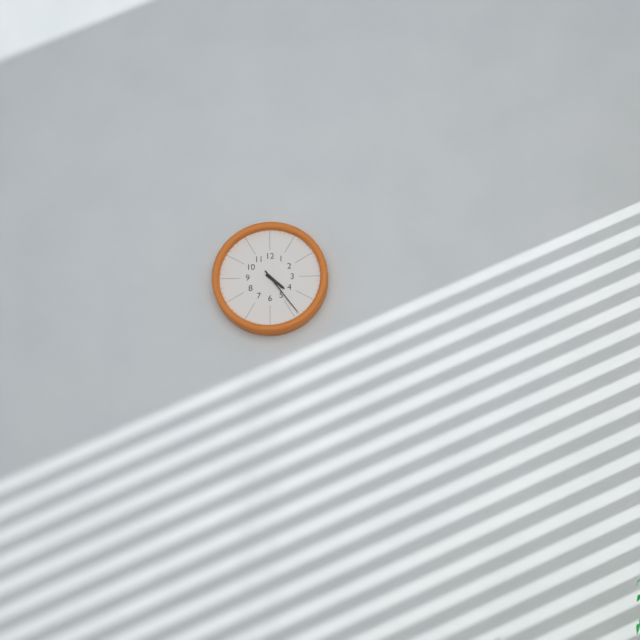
{"hour": 4, "minute": 24}
